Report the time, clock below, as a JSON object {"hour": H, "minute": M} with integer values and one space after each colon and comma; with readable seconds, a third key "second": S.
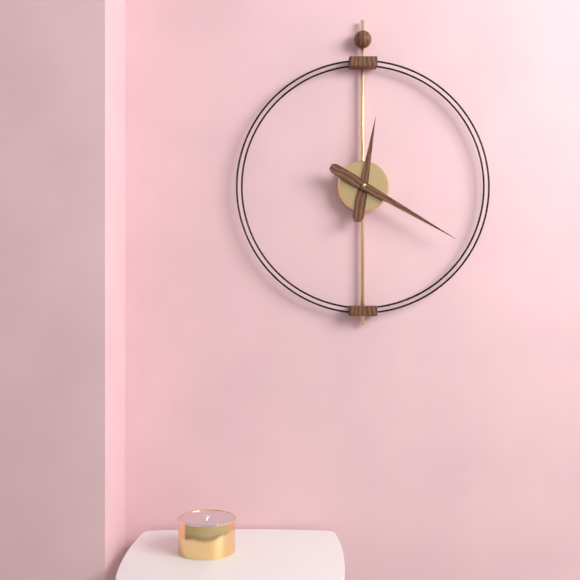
{"hour": 12, "minute": 20}
